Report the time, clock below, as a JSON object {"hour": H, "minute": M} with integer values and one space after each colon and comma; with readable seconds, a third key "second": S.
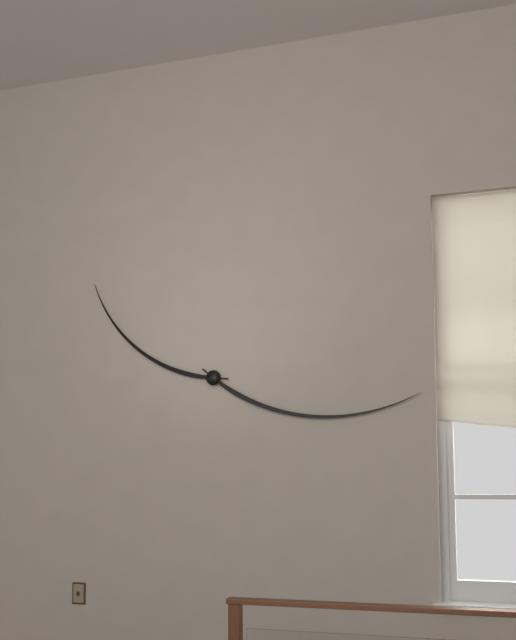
{"hour": 10, "minute": 16}
